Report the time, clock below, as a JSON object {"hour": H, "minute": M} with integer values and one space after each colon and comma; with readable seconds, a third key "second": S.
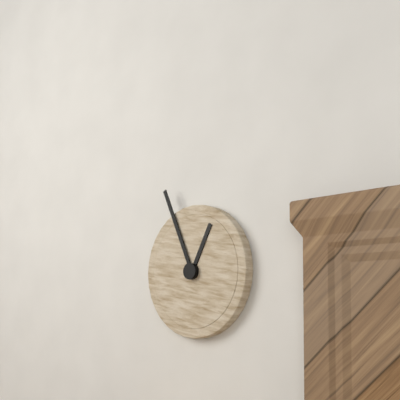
{"hour": 12, "minute": 56}
